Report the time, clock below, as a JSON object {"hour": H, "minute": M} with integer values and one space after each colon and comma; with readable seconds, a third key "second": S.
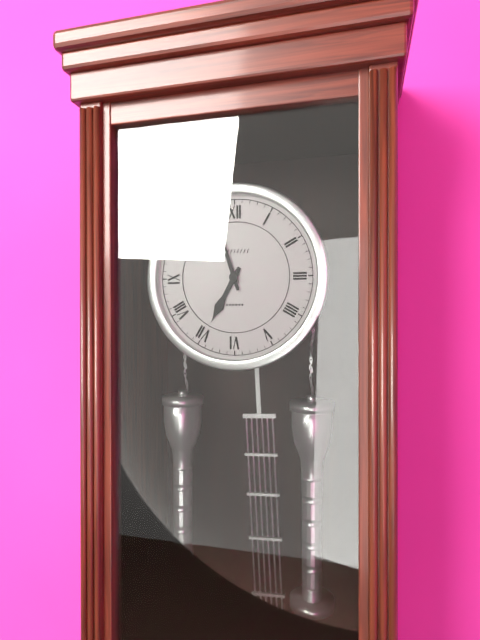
{"hour": 6, "minute": 57}
